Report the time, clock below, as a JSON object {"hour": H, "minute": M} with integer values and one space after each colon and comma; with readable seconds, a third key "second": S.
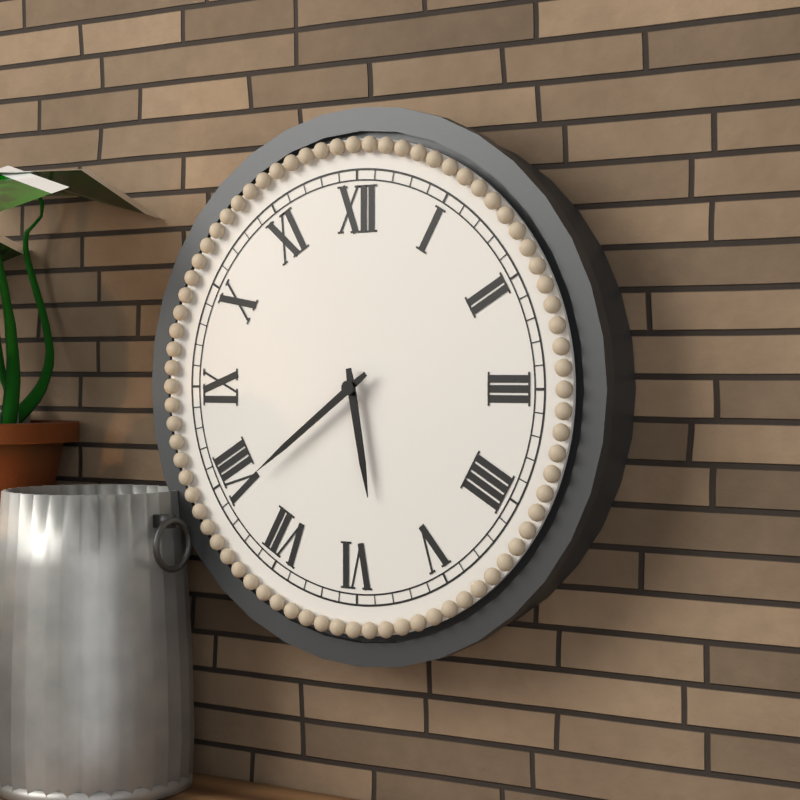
{"hour": 5, "minute": 39}
